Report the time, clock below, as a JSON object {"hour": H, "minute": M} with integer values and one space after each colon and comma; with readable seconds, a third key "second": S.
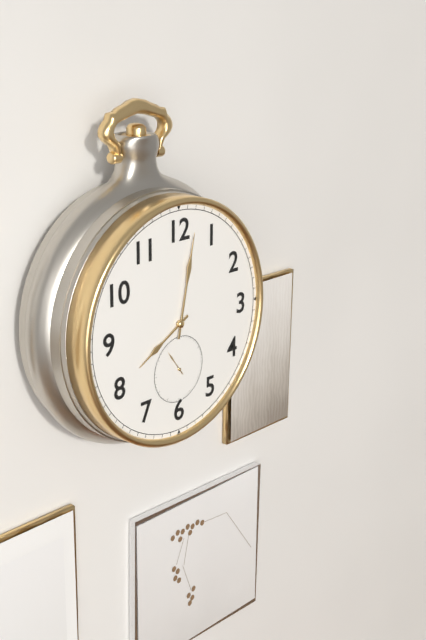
{"hour": 8, "minute": 2}
